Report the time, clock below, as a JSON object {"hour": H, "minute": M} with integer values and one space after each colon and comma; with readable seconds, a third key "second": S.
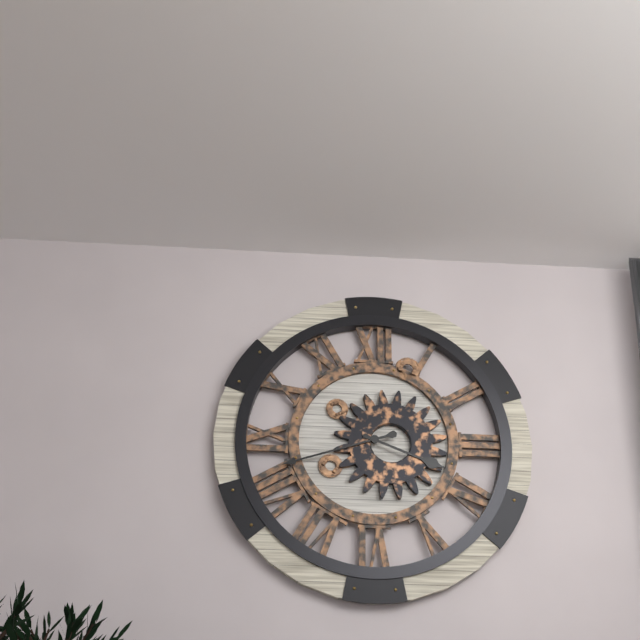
{"hour": 3, "minute": 42}
